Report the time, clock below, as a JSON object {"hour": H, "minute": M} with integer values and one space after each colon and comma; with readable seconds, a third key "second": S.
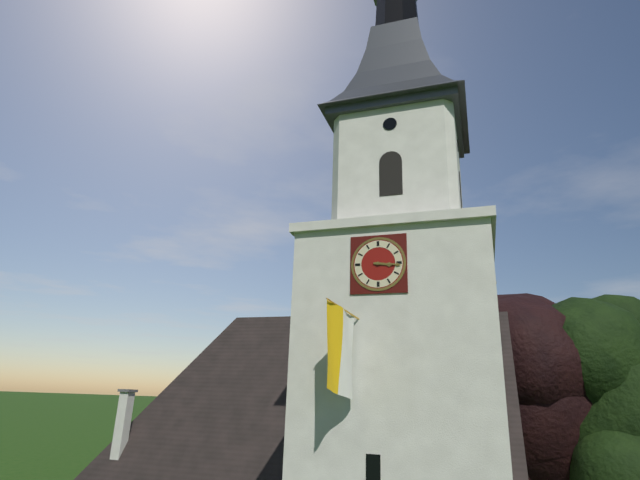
{"hour": 3, "minute": 16}
